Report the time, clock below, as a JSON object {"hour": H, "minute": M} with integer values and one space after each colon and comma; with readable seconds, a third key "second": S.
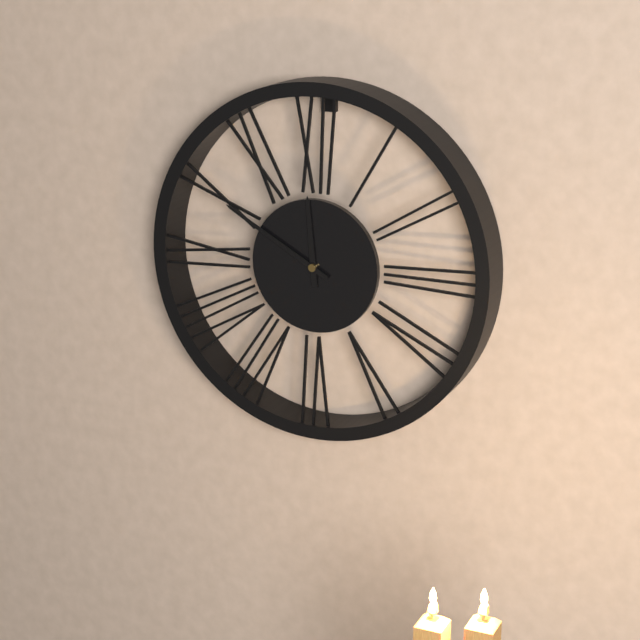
{"hour": 11, "minute": 50}
